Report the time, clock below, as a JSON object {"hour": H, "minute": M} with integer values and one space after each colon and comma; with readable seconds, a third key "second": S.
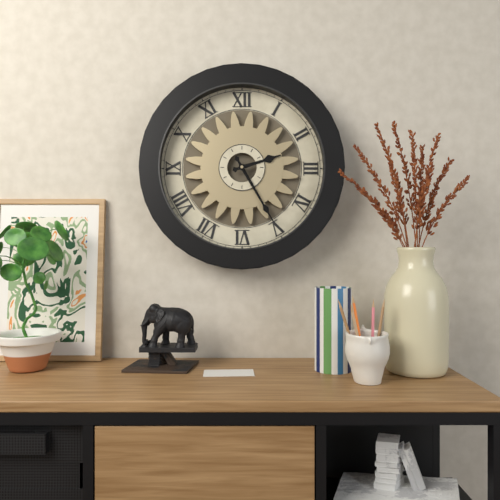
{"hour": 2, "minute": 25}
